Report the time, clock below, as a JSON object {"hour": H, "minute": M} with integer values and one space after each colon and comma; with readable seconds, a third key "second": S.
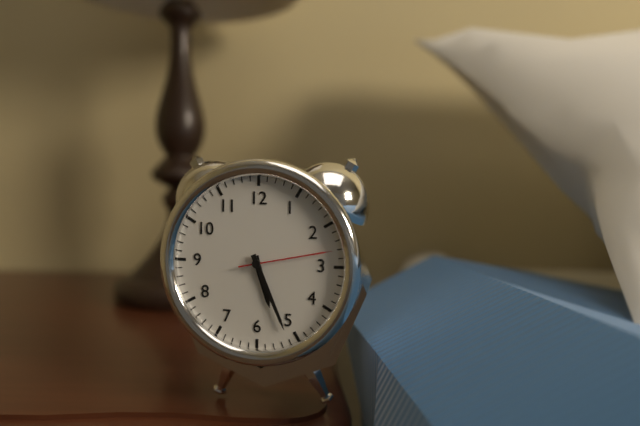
{"hour": 5, "minute": 26, "second": 13}
